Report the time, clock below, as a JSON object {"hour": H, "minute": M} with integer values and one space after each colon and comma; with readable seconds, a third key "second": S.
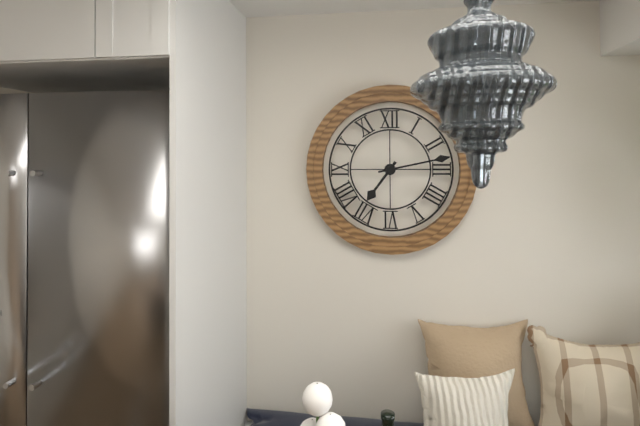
{"hour": 7, "minute": 13}
